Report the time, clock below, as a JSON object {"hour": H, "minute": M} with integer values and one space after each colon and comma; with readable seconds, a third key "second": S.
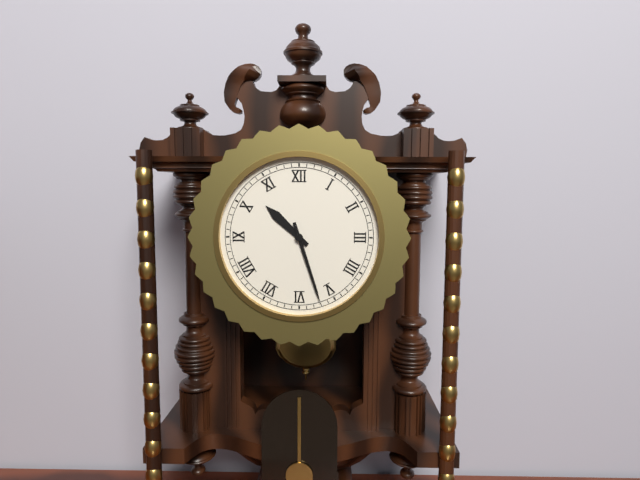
{"hour": 10, "minute": 27}
